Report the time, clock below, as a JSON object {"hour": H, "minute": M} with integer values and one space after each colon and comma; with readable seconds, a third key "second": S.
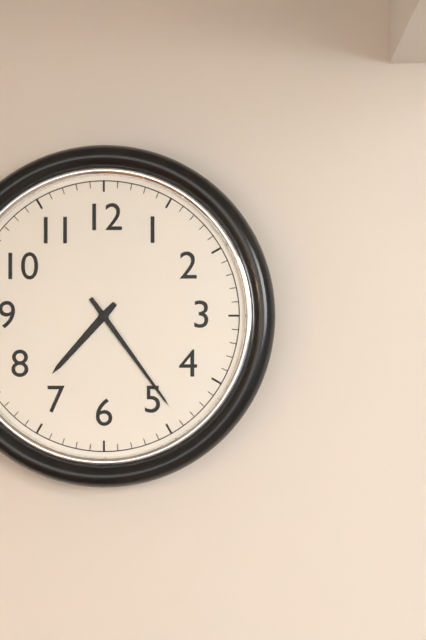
{"hour": 7, "minute": 24}
